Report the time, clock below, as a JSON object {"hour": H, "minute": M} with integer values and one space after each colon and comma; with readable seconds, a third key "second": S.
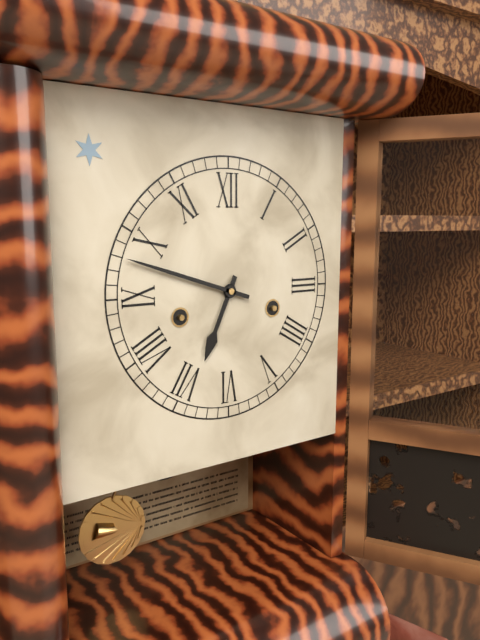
{"hour": 6, "minute": 48}
